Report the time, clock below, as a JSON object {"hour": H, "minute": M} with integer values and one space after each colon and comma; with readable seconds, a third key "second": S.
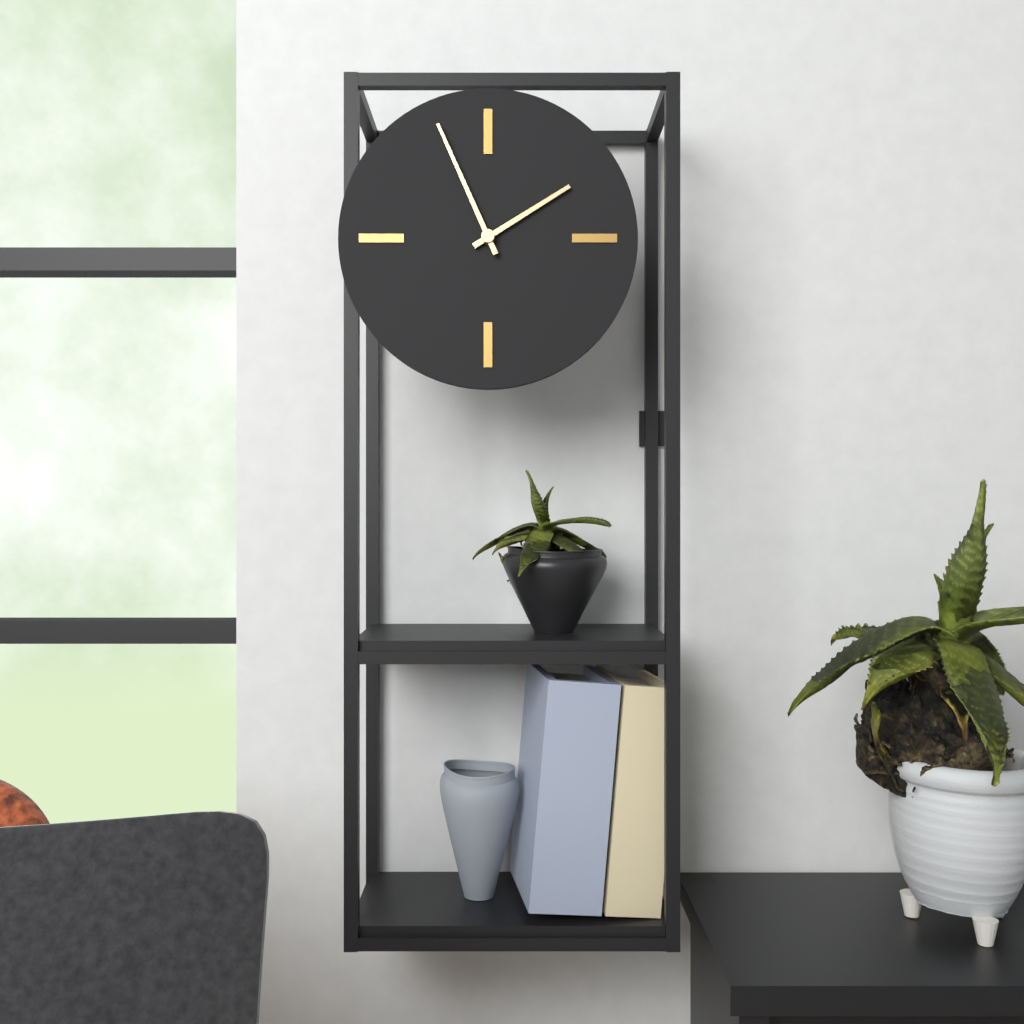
{"hour": 1, "minute": 56}
